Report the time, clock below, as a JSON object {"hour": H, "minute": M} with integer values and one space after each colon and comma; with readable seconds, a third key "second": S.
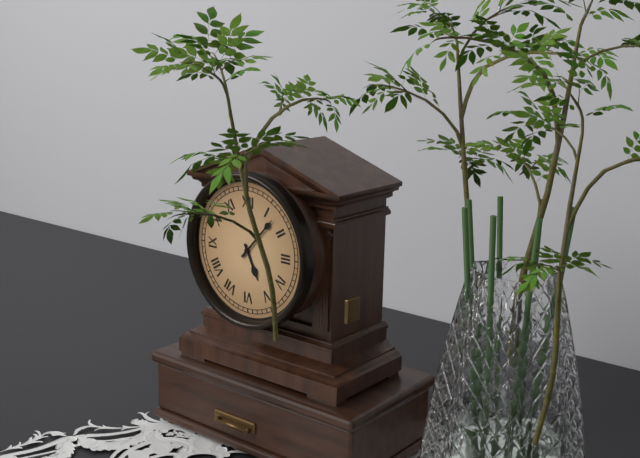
{"hour": 5, "minute": 7}
